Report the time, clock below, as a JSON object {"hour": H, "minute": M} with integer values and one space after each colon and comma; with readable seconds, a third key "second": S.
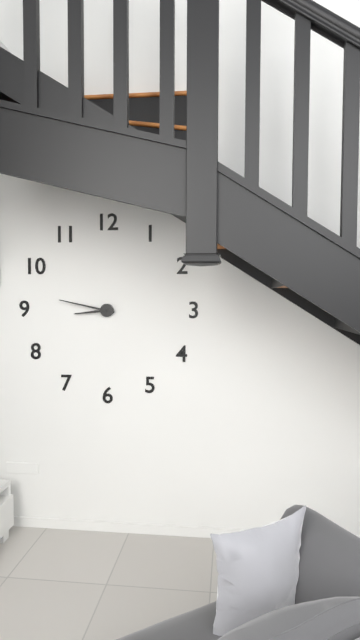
{"hour": 8, "minute": 47}
